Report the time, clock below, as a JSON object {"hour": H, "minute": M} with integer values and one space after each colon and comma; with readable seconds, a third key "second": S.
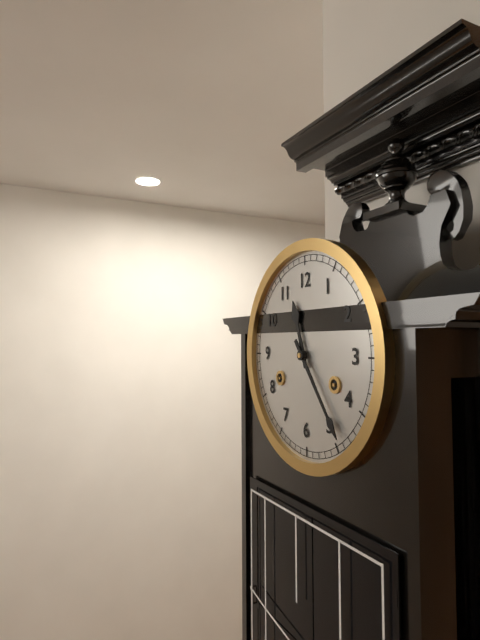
{"hour": 11, "minute": 24}
